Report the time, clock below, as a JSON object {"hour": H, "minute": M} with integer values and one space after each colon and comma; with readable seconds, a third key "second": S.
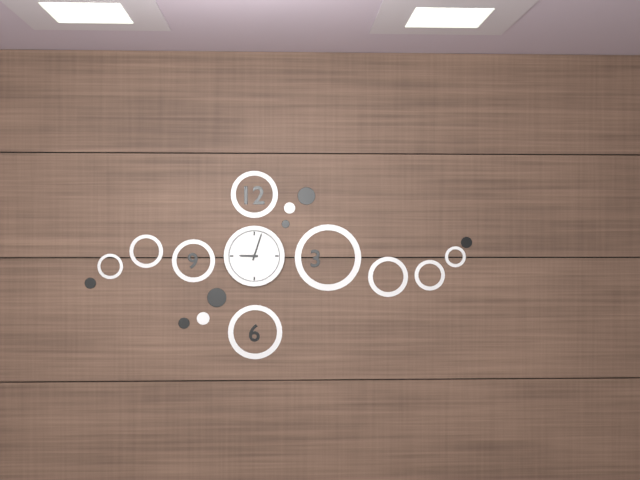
{"hour": 9, "minute": 3}
